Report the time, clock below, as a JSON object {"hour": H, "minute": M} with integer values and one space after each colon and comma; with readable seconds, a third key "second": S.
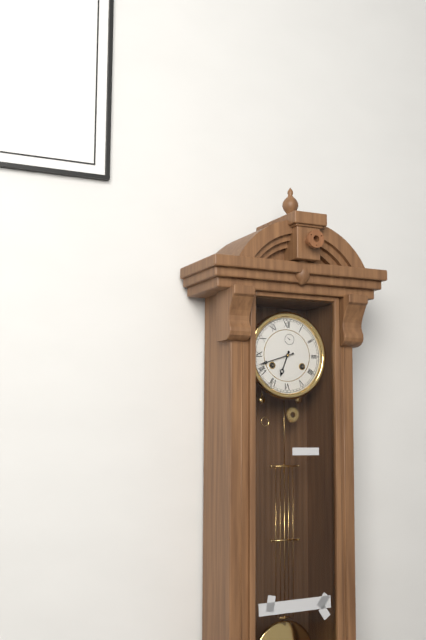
{"hour": 6, "minute": 42}
